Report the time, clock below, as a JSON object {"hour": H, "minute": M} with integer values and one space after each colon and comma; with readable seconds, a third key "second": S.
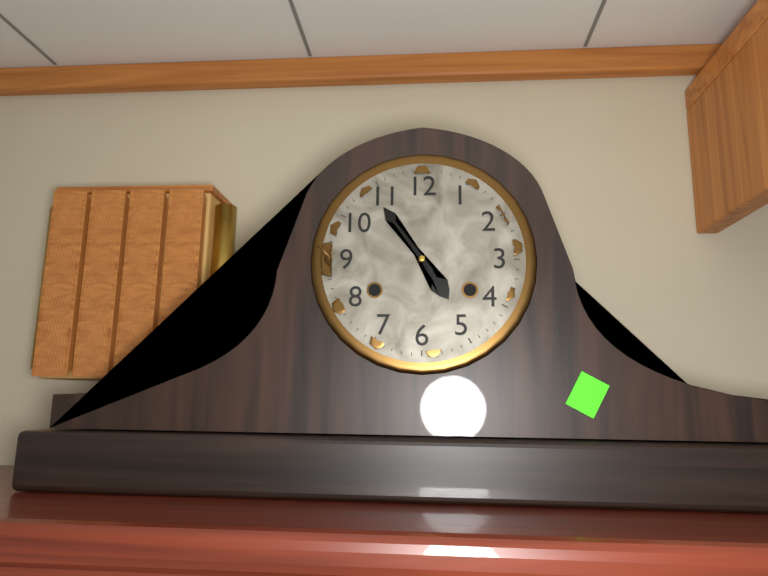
{"hour": 4, "minute": 54}
